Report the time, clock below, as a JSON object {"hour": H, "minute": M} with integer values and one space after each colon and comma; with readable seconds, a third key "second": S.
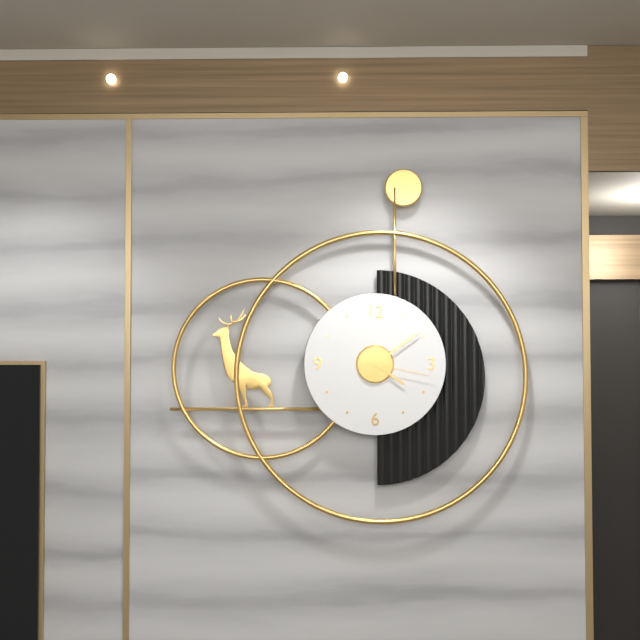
{"hour": 4, "minute": 9, "second": 17}
